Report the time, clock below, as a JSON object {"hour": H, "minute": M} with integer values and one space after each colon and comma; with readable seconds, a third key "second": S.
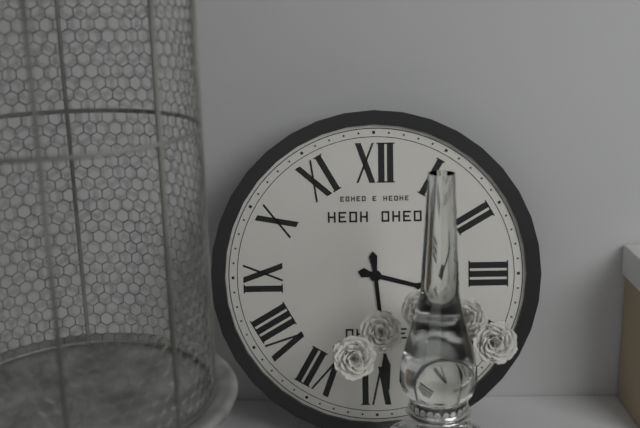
{"hour": 3, "minute": 29}
